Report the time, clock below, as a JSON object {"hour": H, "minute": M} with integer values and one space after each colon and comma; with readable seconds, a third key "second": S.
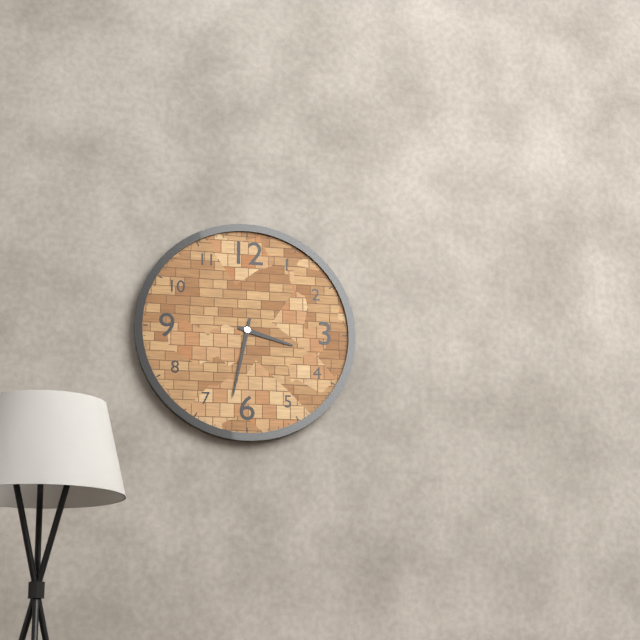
{"hour": 3, "minute": 32}
